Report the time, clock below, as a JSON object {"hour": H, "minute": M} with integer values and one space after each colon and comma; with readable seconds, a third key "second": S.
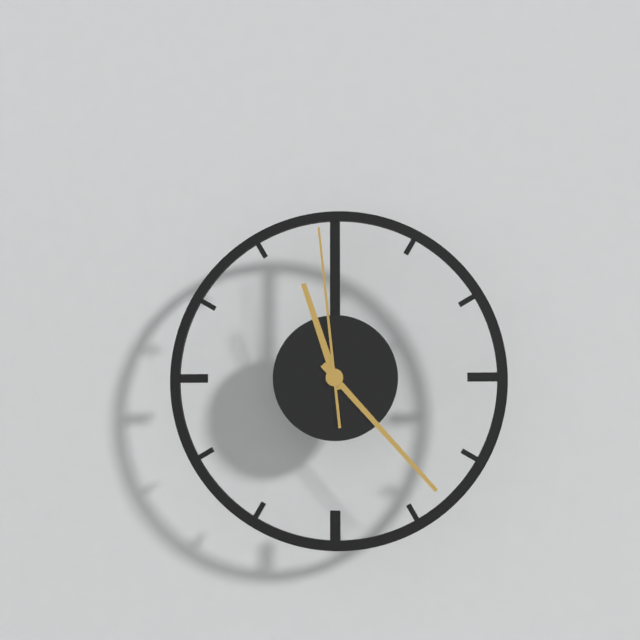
{"hour": 11, "minute": 23, "second": 59}
